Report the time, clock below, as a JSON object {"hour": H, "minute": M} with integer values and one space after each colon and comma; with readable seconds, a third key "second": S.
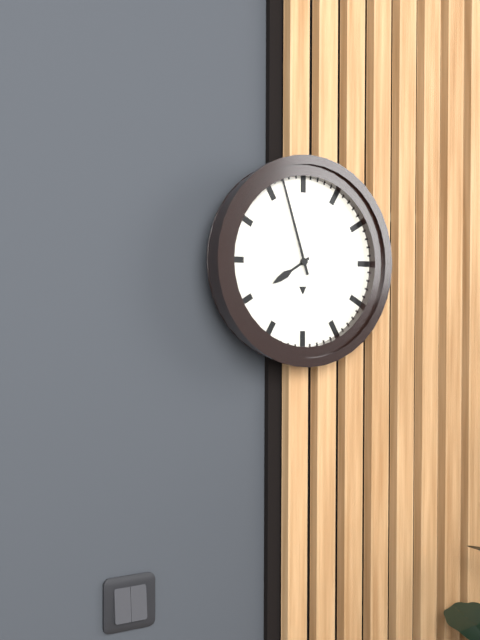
{"hour": 7, "minute": 57}
